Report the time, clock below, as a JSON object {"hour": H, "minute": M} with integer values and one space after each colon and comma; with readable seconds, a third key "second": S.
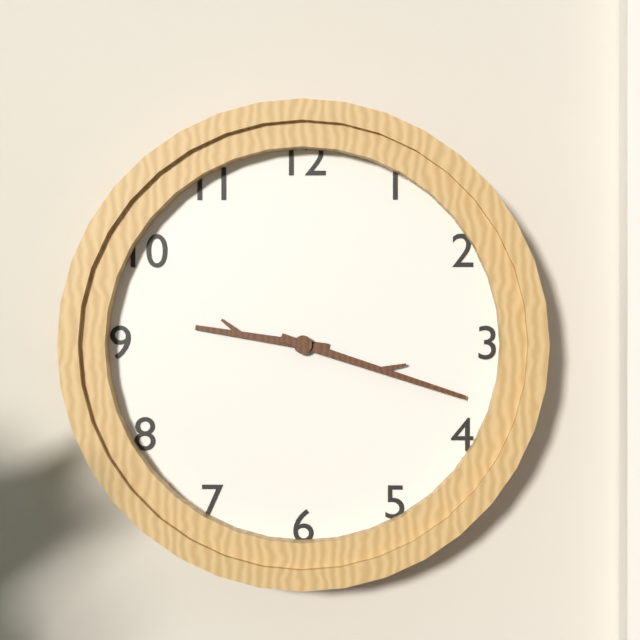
{"hour": 9, "minute": 18}
